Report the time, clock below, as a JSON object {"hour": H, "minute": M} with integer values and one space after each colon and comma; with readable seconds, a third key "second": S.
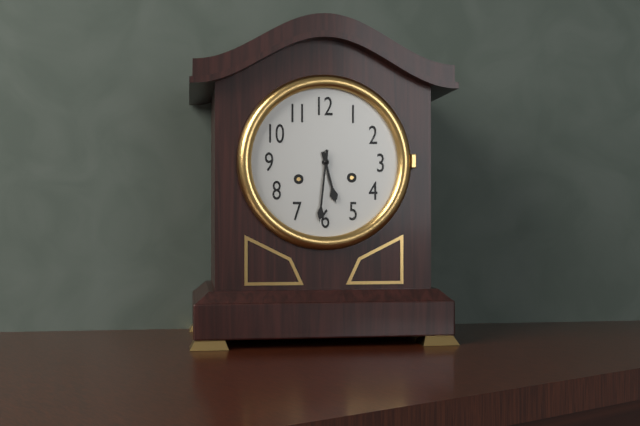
{"hour": 5, "minute": 31}
